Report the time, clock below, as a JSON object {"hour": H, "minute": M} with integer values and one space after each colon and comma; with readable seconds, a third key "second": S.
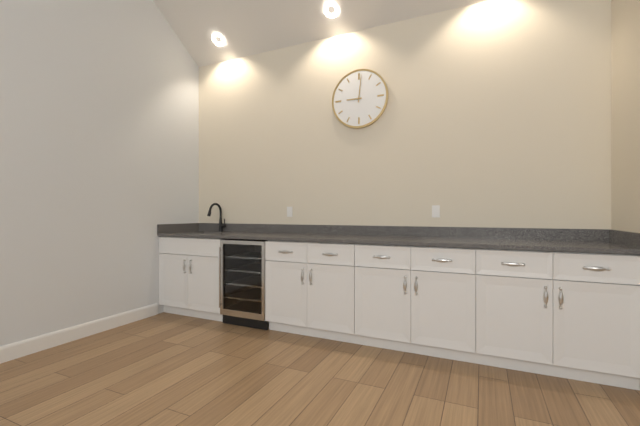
{"hour": 9, "minute": 1}
